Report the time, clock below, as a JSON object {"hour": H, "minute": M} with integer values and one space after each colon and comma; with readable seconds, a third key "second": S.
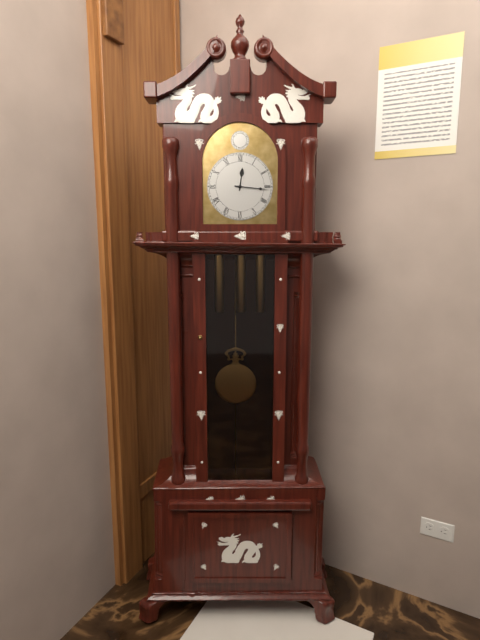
{"hour": 12, "minute": 16}
